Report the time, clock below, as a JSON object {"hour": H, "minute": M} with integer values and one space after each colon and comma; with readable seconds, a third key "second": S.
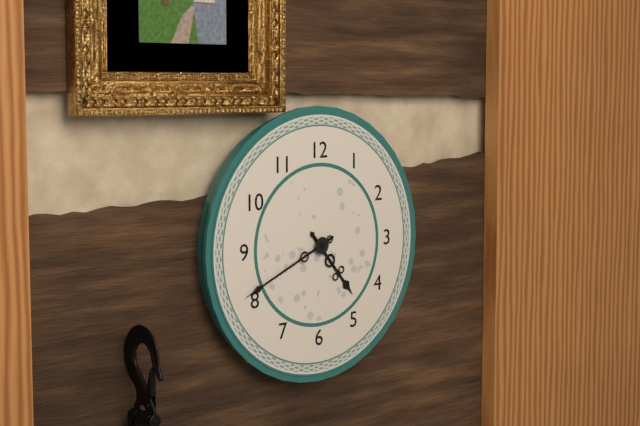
{"hour": 4, "minute": 41}
